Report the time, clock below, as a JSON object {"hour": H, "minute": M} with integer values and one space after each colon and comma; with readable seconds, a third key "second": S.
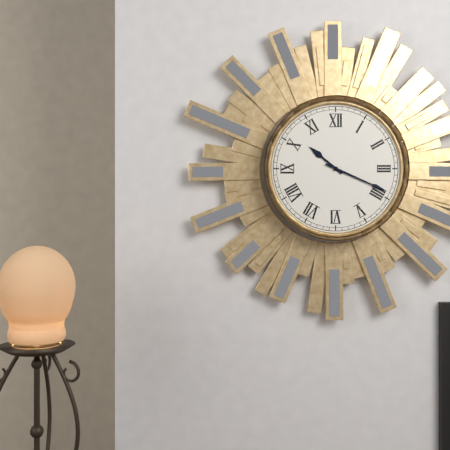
{"hour": 10, "minute": 19}
